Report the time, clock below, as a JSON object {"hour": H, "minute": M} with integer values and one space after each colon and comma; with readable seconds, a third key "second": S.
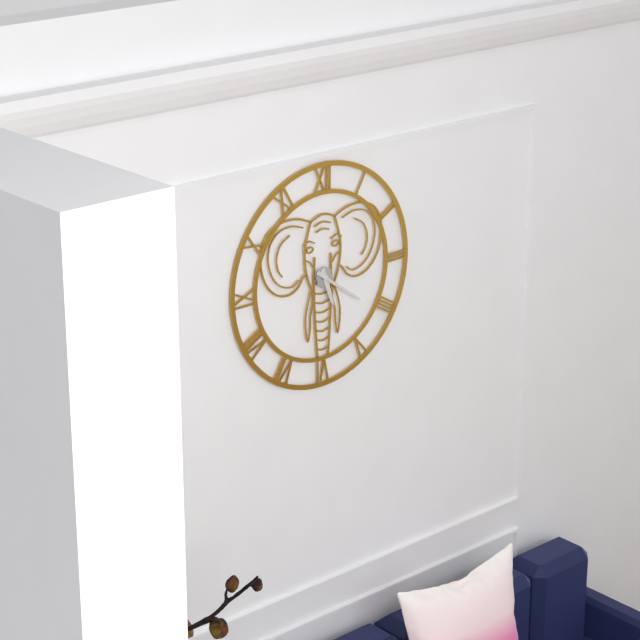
{"hour": 5, "minute": 21}
